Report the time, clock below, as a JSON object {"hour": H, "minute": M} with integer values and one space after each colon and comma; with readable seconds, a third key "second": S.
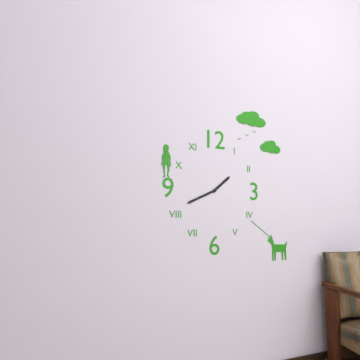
{"hour": 1, "minute": 41}
